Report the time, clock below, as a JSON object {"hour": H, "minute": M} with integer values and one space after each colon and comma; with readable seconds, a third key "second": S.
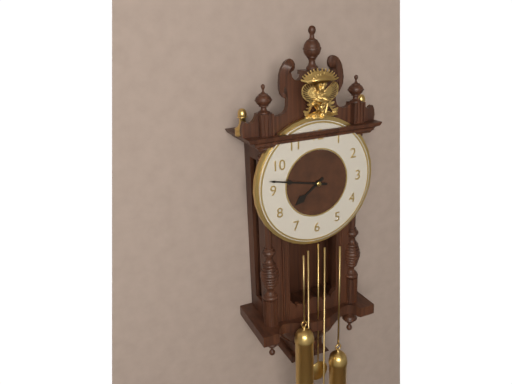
{"hour": 7, "minute": 47}
